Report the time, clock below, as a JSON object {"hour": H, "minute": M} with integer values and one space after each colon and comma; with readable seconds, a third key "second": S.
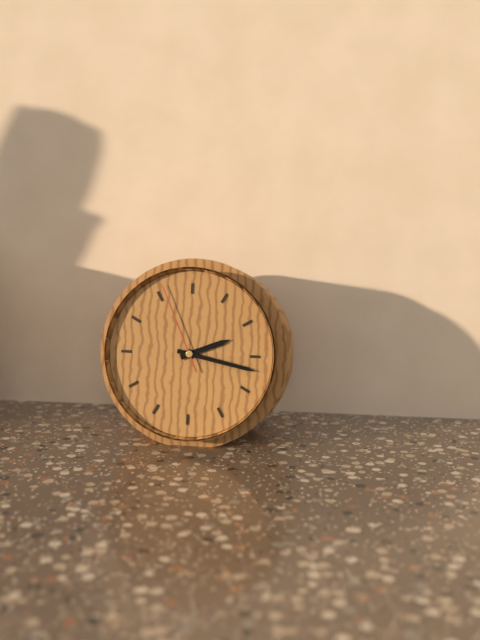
{"hour": 2, "minute": 17, "second": 56}
